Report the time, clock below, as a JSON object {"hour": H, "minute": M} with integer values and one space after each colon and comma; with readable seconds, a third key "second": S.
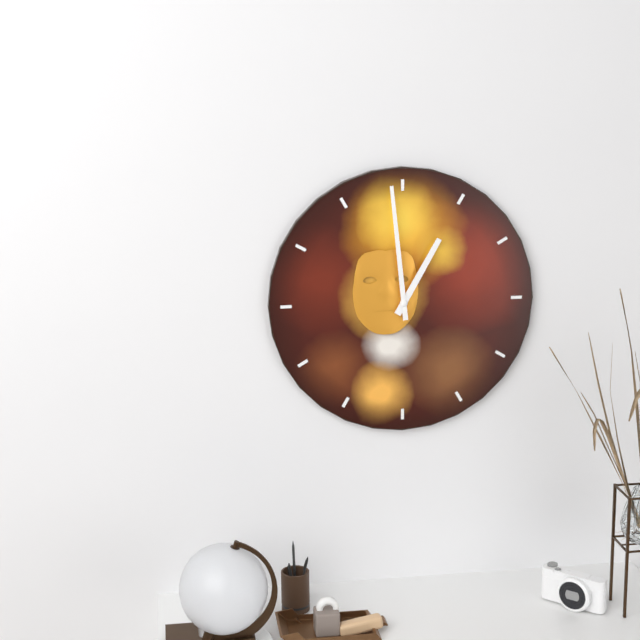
{"hour": 12, "minute": 59}
